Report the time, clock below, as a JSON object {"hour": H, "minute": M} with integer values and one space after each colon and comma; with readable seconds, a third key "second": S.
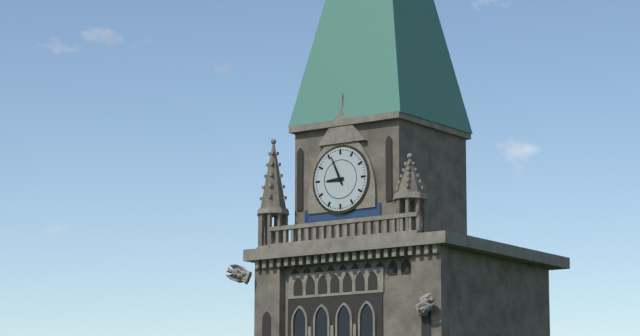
{"hour": 8, "minute": 56}
